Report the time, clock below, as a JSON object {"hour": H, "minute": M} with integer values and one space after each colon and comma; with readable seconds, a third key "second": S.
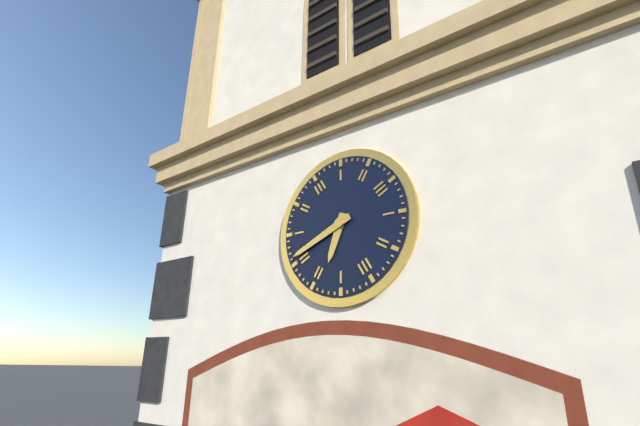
{"hour": 6, "minute": 41}
